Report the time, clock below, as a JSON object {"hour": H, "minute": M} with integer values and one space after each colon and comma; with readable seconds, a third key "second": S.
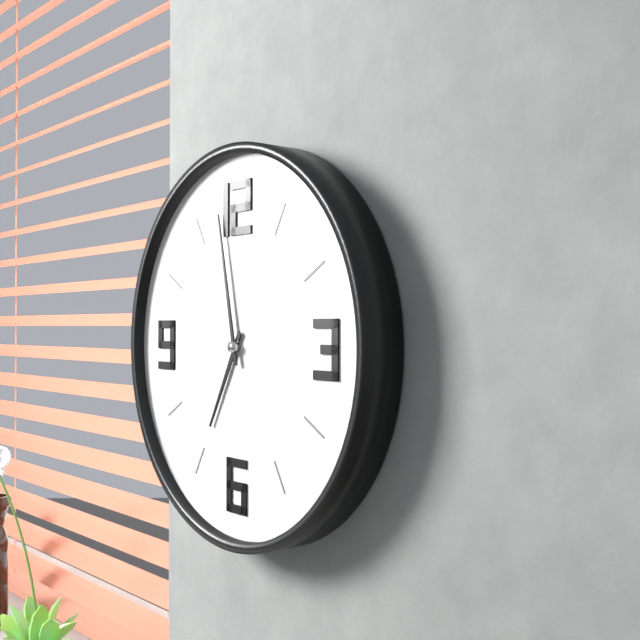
{"hour": 6, "minute": 58}
